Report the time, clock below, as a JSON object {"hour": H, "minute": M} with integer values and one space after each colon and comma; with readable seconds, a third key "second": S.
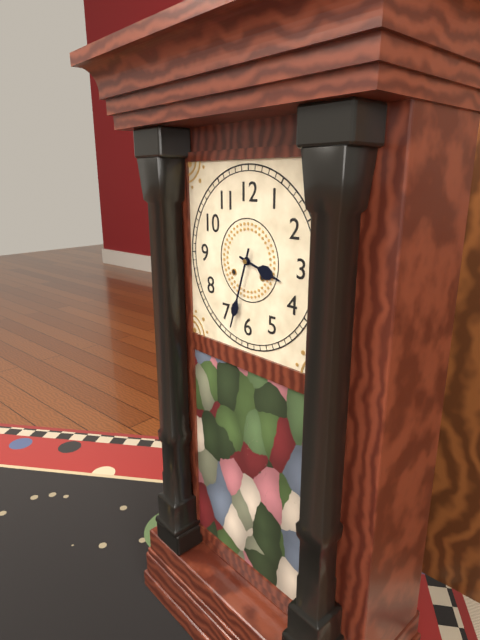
{"hour": 3, "minute": 33}
